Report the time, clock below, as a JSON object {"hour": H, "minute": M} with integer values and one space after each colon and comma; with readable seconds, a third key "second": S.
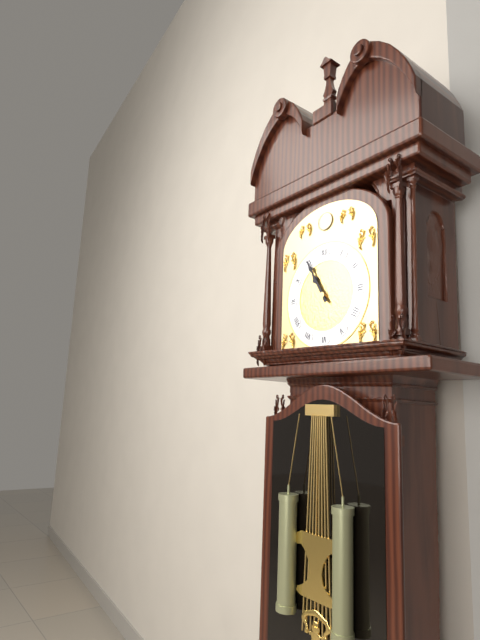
{"hour": 10, "minute": 55}
